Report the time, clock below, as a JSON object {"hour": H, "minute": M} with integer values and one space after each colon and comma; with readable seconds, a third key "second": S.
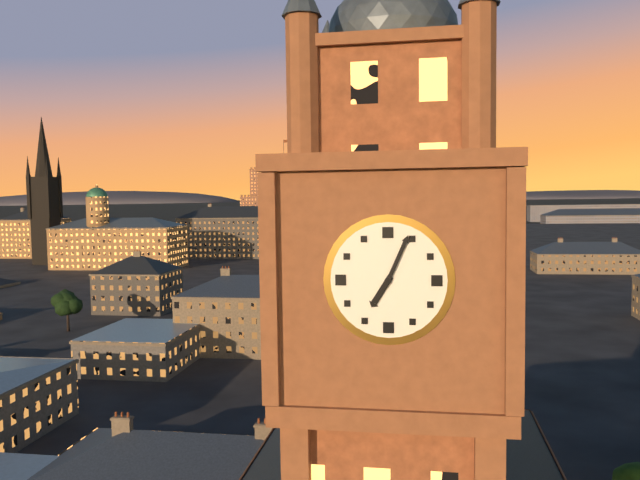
{"hour": 7, "minute": 4}
